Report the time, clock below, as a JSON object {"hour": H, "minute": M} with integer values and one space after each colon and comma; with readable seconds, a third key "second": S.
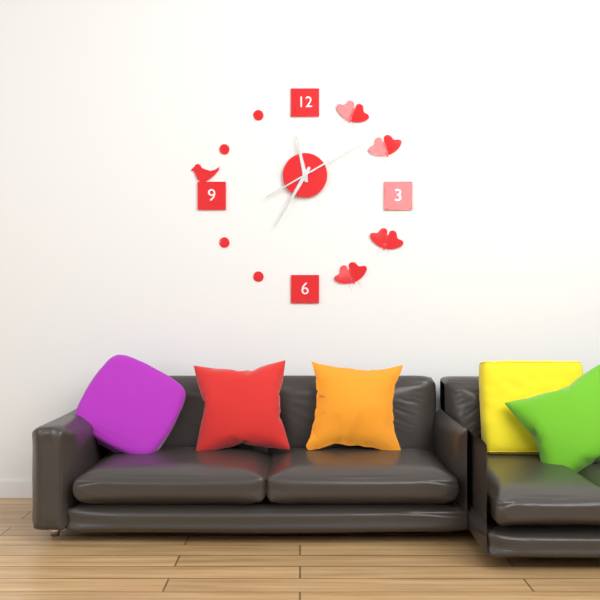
{"hour": 11, "minute": 35, "second": 10}
